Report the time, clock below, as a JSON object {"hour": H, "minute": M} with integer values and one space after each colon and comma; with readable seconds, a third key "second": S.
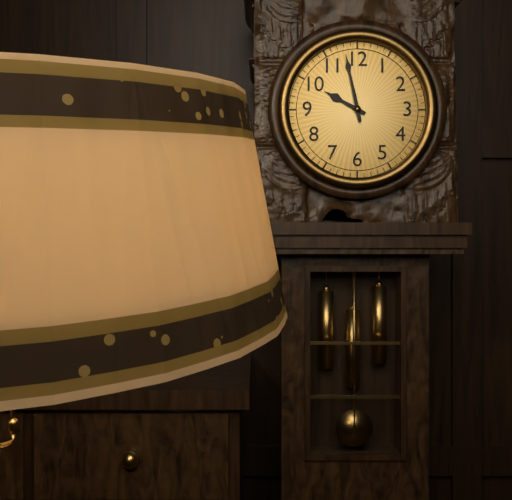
{"hour": 9, "minute": 58}
